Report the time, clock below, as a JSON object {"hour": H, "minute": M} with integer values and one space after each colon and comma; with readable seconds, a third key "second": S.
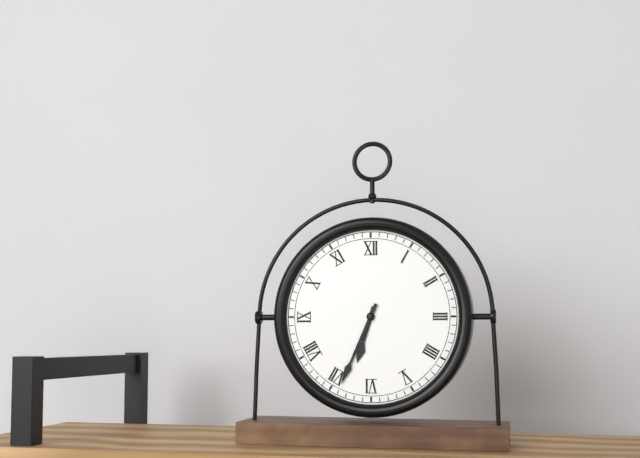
{"hour": 6, "minute": 34}
